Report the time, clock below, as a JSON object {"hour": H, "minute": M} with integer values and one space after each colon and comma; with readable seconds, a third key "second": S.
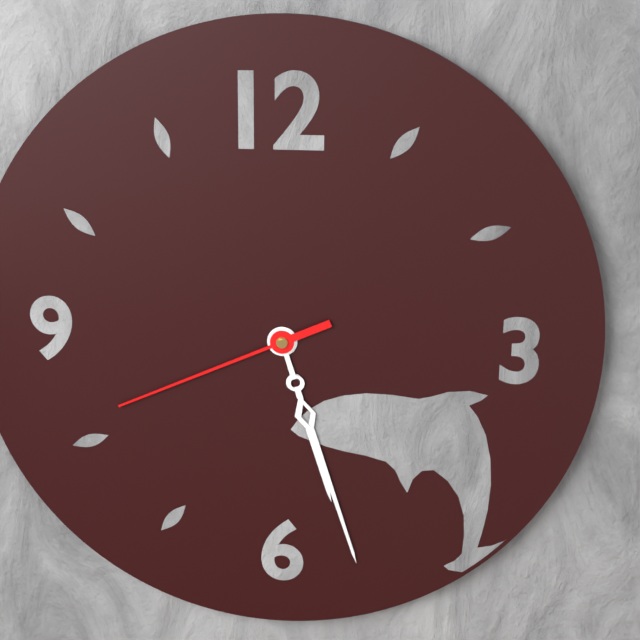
{"hour": 5, "minute": 27, "second": 41}
